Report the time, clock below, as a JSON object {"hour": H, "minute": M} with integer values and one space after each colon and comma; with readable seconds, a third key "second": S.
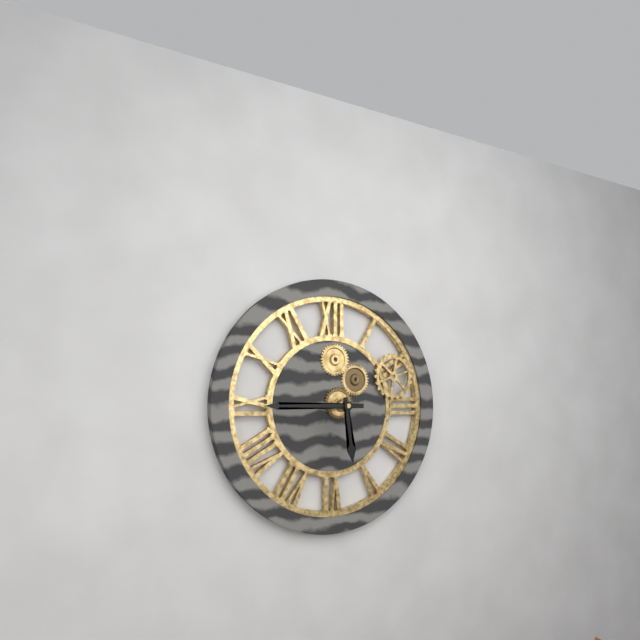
{"hour": 5, "minute": 45}
